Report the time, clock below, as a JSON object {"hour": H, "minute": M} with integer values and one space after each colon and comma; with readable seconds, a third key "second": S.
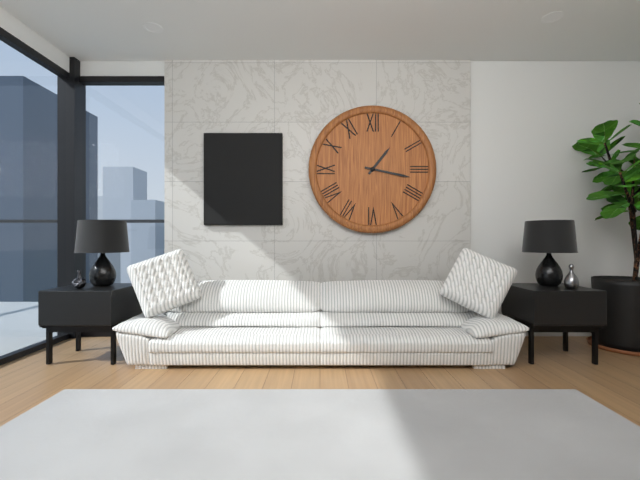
{"hour": 1, "minute": 17}
